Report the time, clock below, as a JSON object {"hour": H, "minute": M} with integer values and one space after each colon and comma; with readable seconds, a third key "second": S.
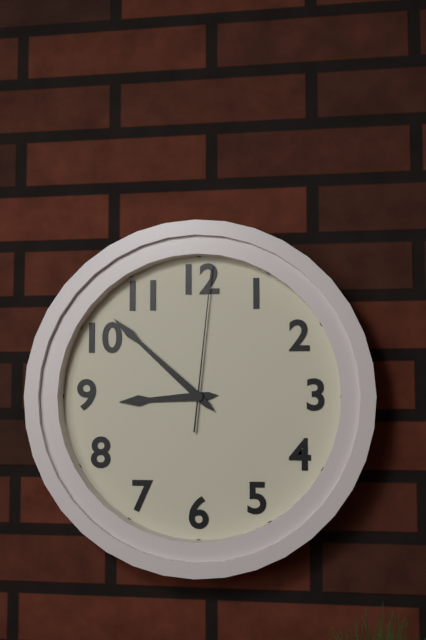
{"hour": 8, "minute": 52, "second": 1}
